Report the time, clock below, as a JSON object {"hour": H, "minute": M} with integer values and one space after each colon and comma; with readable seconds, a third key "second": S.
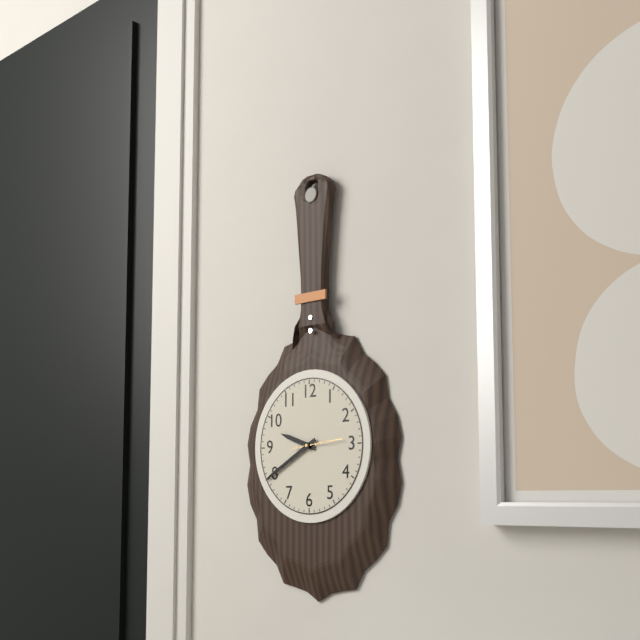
{"hour": 9, "minute": 40}
